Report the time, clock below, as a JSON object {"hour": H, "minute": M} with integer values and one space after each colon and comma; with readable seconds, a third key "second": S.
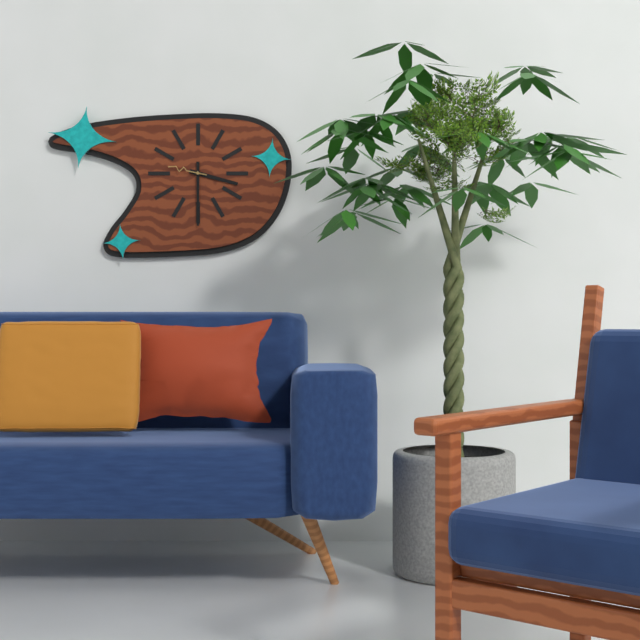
{"hour": 3, "minute": 30}
